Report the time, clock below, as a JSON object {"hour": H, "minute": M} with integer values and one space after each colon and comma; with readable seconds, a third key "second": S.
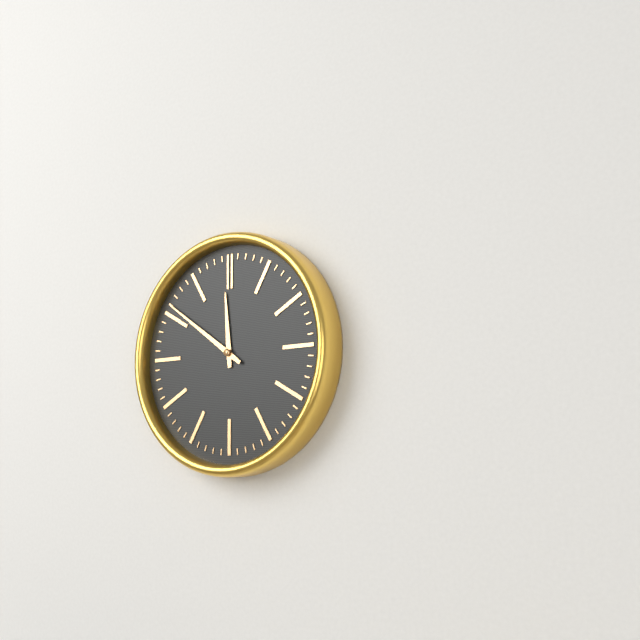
{"hour": 11, "minute": 51}
